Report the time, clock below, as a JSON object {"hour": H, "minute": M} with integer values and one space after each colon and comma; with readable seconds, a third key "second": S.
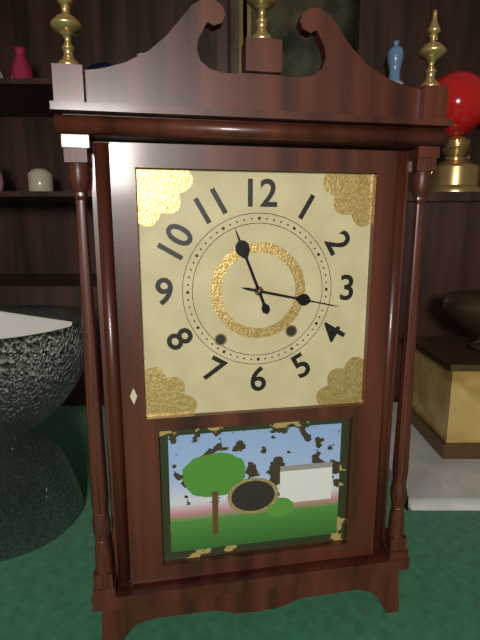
{"hour": 11, "minute": 17}
